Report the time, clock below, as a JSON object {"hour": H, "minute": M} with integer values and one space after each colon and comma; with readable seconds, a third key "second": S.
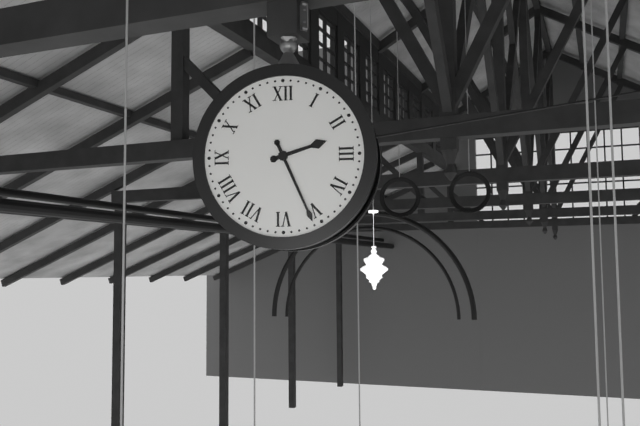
{"hour": 2, "minute": 26}
